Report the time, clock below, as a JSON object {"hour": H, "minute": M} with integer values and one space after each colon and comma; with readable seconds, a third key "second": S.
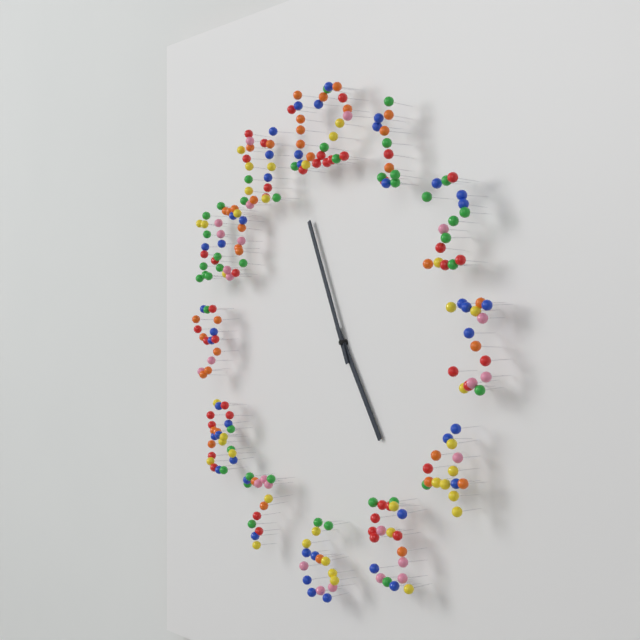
{"hour": 4, "minute": 56}
